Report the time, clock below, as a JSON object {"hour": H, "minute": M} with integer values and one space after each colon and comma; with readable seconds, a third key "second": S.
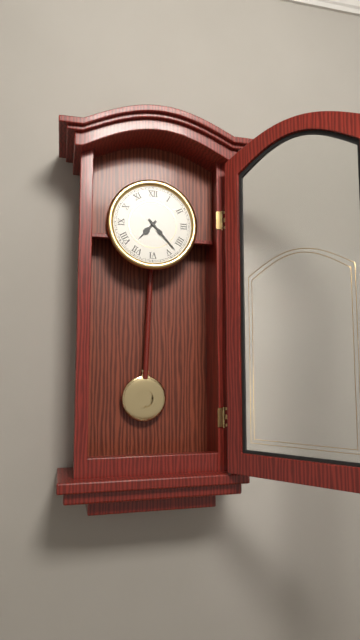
{"hour": 7, "minute": 23}
